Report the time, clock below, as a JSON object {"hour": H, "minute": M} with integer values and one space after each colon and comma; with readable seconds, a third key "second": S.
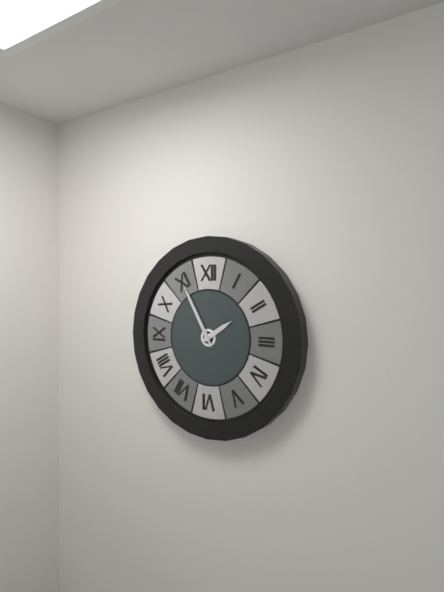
{"hour": 1, "minute": 55}
